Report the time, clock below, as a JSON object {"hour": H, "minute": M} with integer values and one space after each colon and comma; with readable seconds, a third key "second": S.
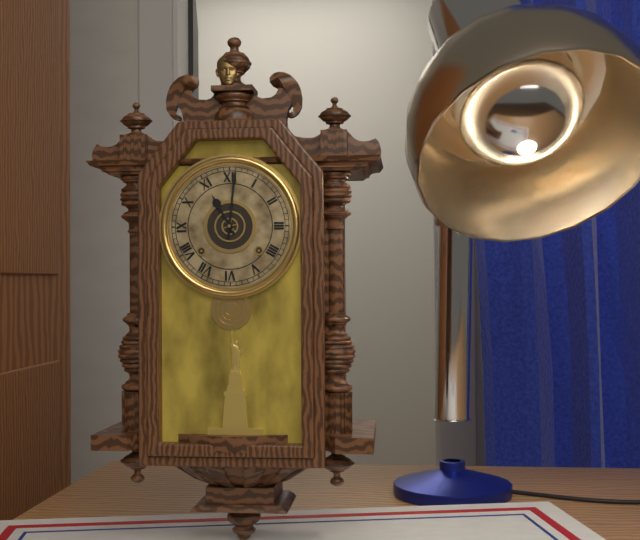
{"hour": 11, "minute": 1}
